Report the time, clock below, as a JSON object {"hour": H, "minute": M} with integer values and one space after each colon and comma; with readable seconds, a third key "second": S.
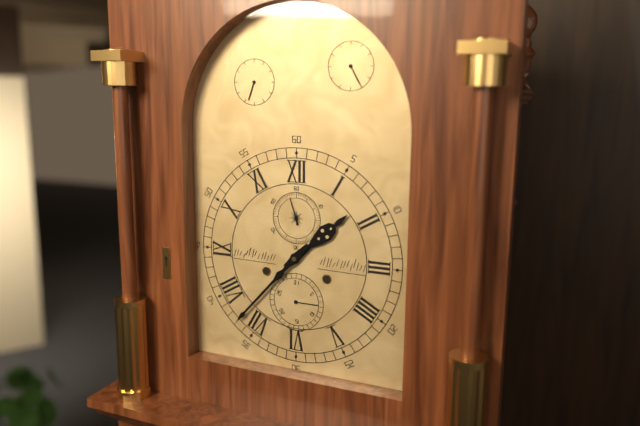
{"hour": 1, "minute": 37}
